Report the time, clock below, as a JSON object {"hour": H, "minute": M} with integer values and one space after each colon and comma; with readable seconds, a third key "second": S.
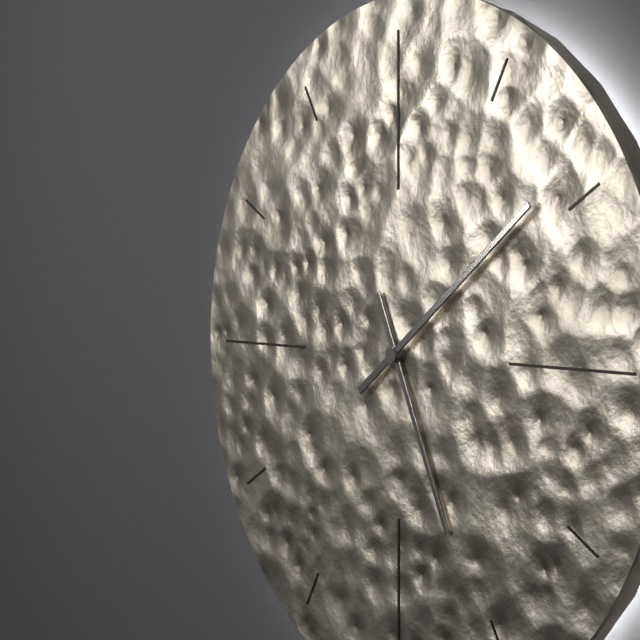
{"hour": 5, "minute": 9}
